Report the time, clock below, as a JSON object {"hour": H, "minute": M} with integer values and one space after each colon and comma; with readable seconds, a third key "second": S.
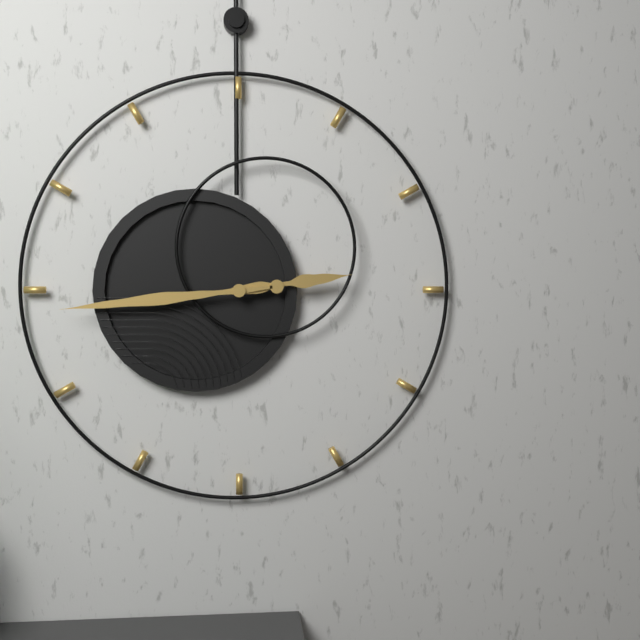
{"hour": 2, "minute": 44}
